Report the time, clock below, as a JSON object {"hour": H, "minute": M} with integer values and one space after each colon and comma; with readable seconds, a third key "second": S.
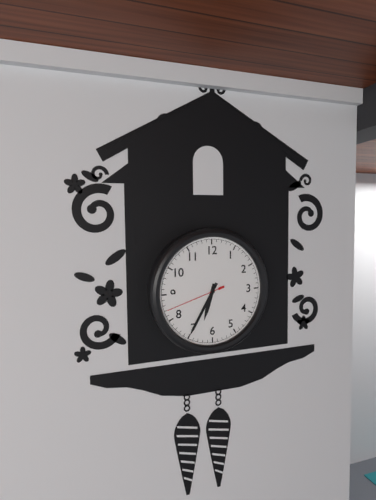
{"hour": 6, "minute": 35, "second": 42}
